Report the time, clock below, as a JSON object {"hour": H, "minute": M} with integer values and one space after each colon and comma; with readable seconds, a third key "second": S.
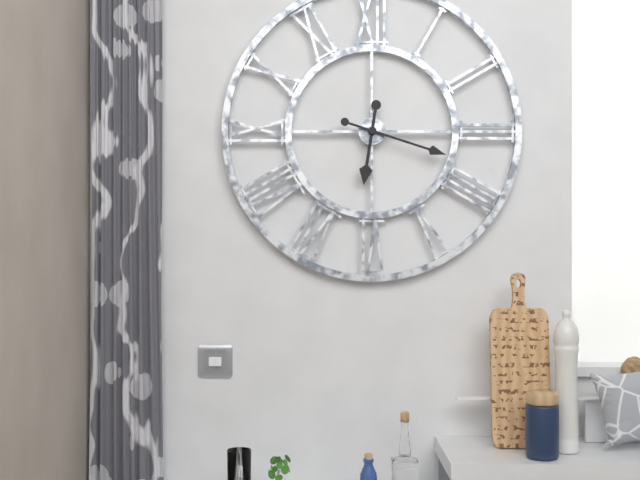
{"hour": 6, "minute": 18}
